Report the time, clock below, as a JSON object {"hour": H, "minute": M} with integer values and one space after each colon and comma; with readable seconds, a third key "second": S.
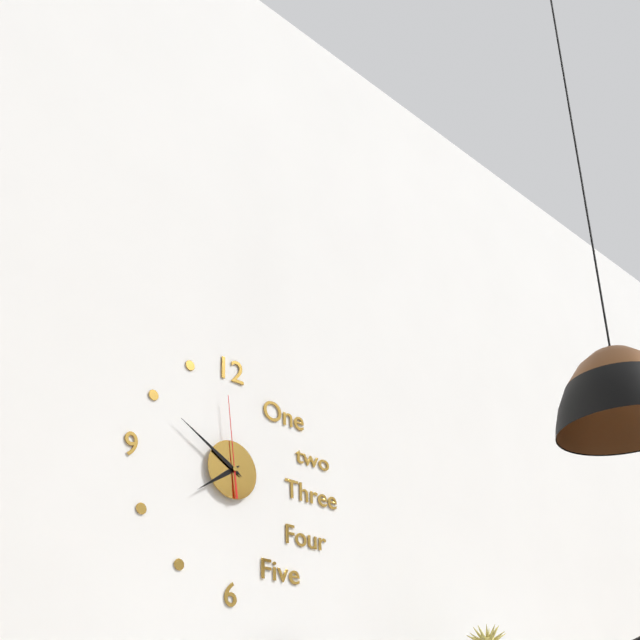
{"hour": 7, "minute": 50, "second": 59}
